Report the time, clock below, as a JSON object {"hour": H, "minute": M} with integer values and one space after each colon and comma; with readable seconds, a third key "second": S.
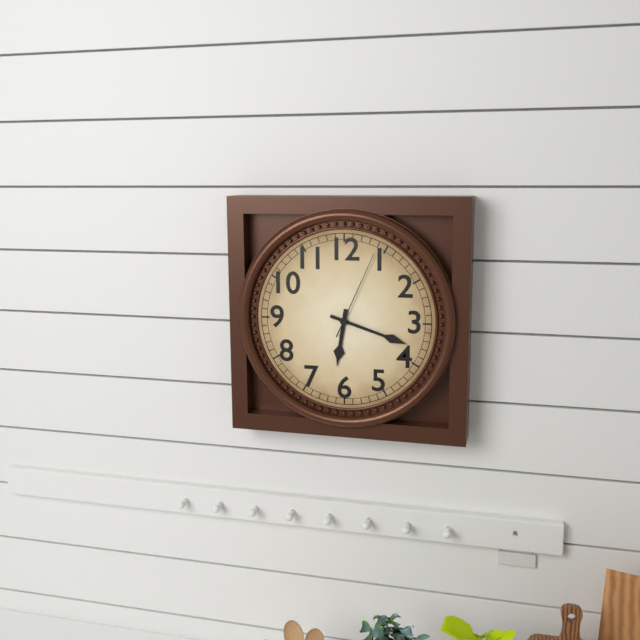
{"hour": 6, "minute": 18, "second": 4}
